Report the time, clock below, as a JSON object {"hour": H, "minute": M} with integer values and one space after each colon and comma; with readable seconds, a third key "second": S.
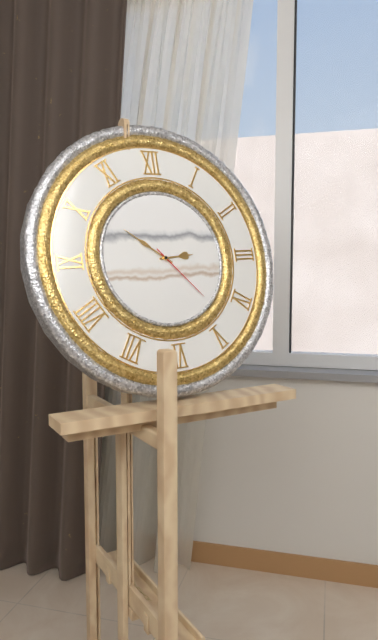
{"hour": 2, "minute": 51, "second": 23}
